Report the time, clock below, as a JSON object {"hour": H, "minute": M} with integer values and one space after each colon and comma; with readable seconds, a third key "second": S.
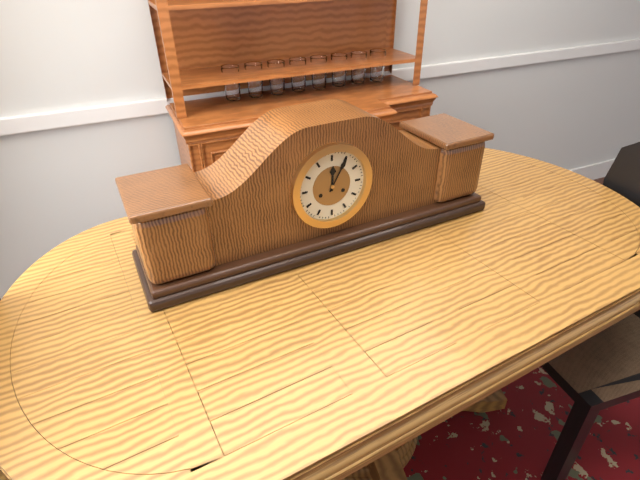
{"hour": 12, "minute": 5}
